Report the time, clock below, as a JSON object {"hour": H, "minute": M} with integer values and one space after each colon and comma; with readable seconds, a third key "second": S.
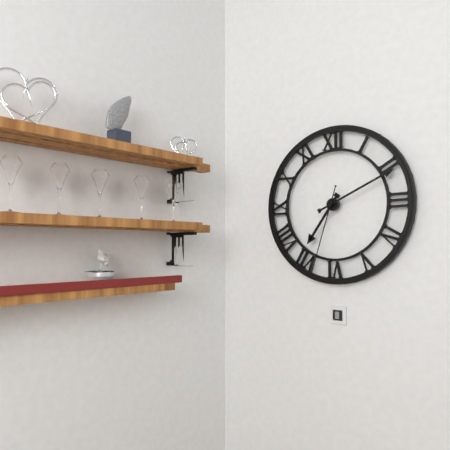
{"hour": 7, "minute": 11, "second": 33}
